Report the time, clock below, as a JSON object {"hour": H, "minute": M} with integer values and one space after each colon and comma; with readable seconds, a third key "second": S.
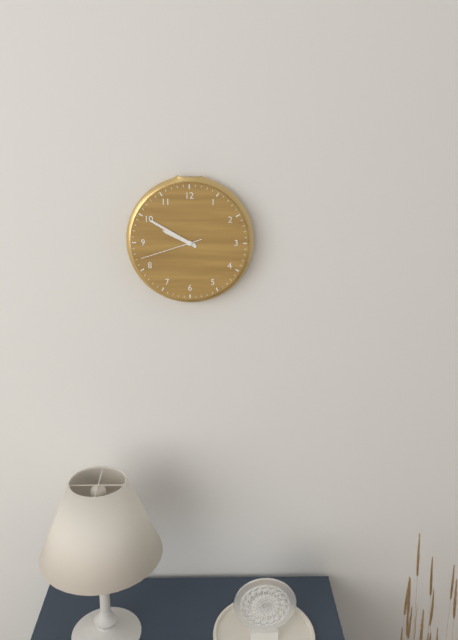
{"hour": 9, "minute": 50, "second": 42}
